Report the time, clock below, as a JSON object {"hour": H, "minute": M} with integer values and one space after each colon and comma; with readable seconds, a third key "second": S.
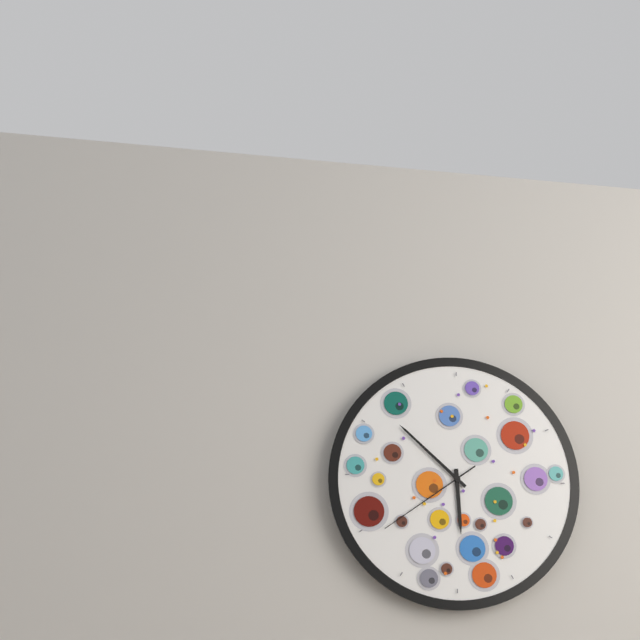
{"hour": 5, "minute": 52, "second": 39}
